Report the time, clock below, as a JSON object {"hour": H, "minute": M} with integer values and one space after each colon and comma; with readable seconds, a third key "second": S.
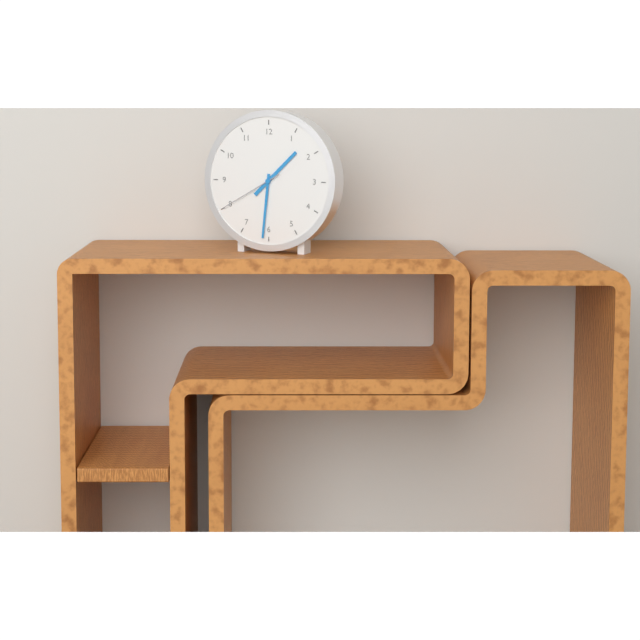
{"hour": 1, "minute": 31, "second": 40}
